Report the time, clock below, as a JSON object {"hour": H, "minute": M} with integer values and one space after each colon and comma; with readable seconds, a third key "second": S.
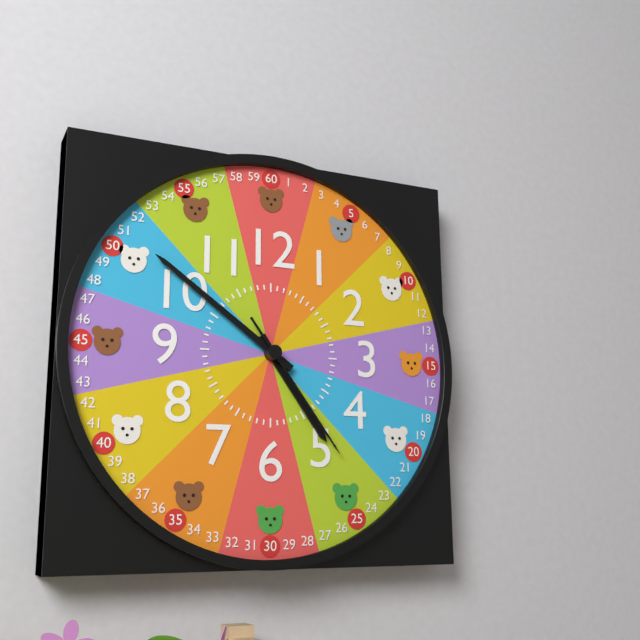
{"hour": 4, "minute": 51, "second": 24}
